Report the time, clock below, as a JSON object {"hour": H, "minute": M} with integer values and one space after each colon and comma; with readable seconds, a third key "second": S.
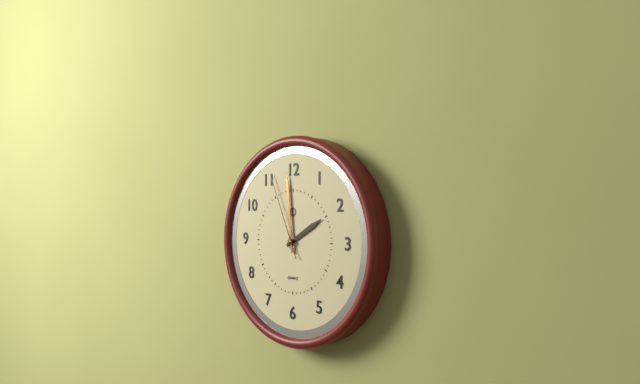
{"hour": 1, "minute": 59, "second": 56}
